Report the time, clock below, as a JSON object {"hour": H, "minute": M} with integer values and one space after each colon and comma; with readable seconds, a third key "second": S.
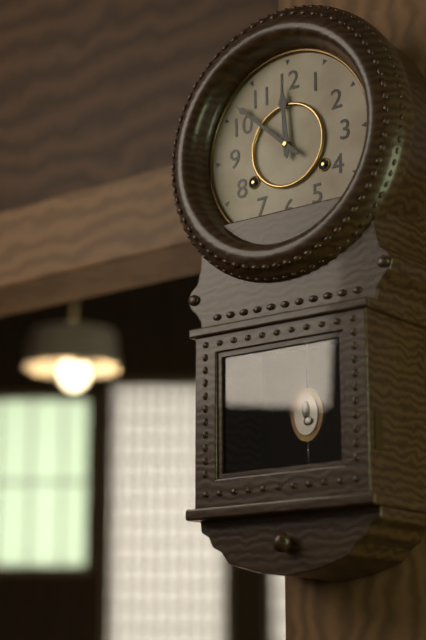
{"hour": 11, "minute": 52}
